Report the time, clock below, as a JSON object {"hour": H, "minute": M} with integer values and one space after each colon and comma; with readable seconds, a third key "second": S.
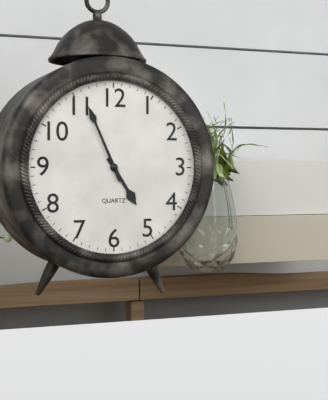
{"hour": 4, "minute": 56}
